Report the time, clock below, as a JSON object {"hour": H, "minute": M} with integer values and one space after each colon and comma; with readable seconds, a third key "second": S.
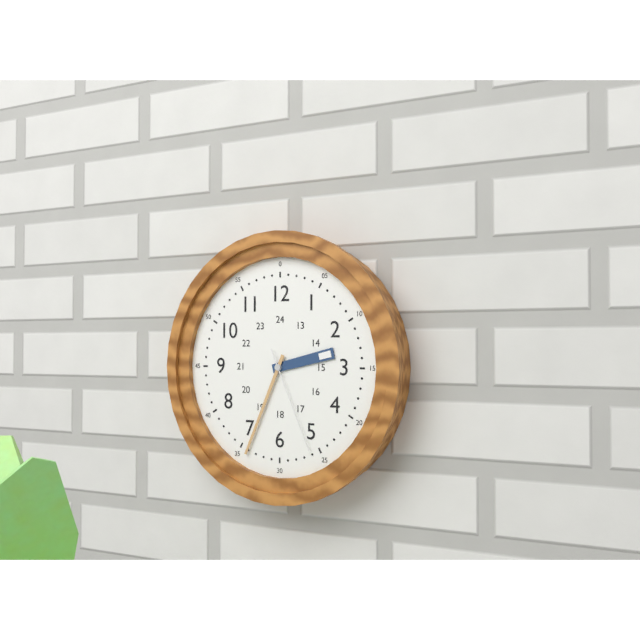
{"hour": 2, "minute": 34, "second": 26}
